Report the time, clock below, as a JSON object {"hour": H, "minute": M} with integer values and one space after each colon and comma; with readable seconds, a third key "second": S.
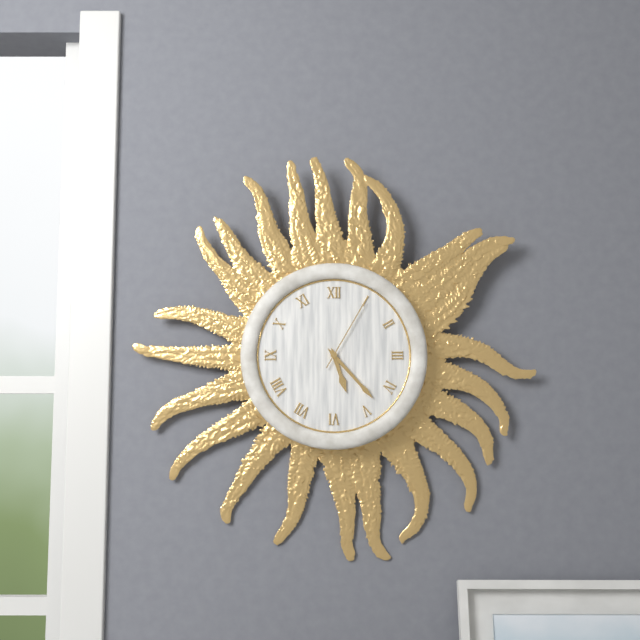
{"hour": 5, "minute": 23, "second": 5}
